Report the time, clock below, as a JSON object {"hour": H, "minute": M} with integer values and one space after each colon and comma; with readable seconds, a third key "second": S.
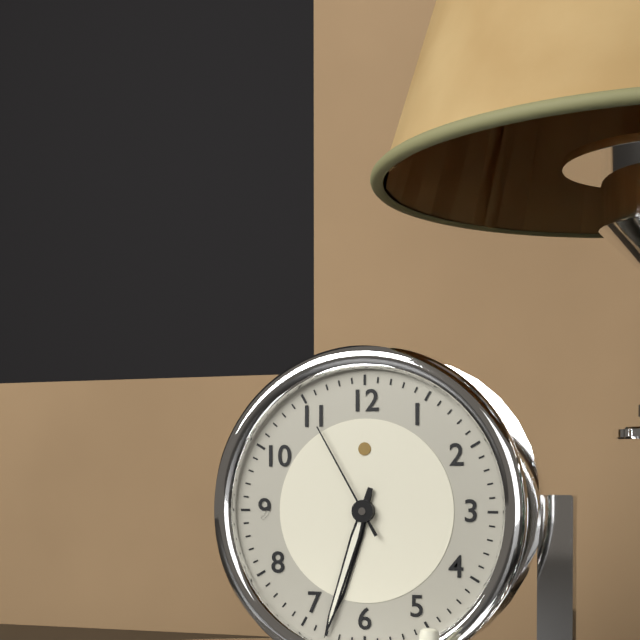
{"hour": 6, "minute": 33, "second": 55}
